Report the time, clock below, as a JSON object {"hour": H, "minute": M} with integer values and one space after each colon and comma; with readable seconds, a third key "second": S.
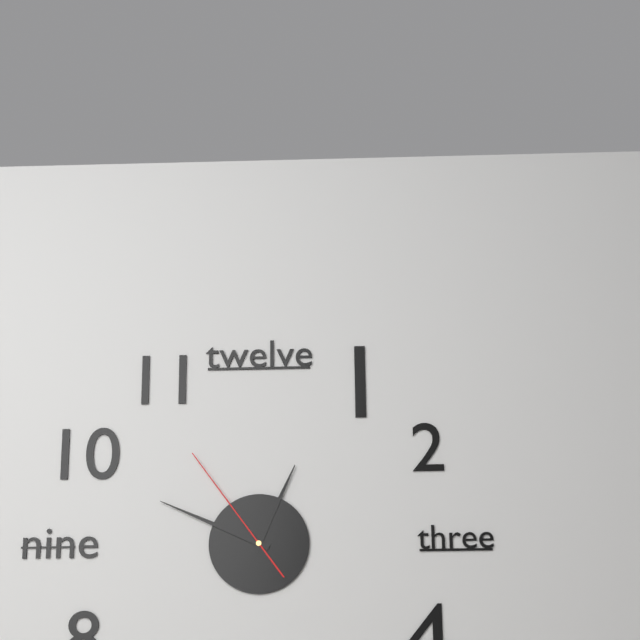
{"hour": 12, "minute": 49, "second": 54}
